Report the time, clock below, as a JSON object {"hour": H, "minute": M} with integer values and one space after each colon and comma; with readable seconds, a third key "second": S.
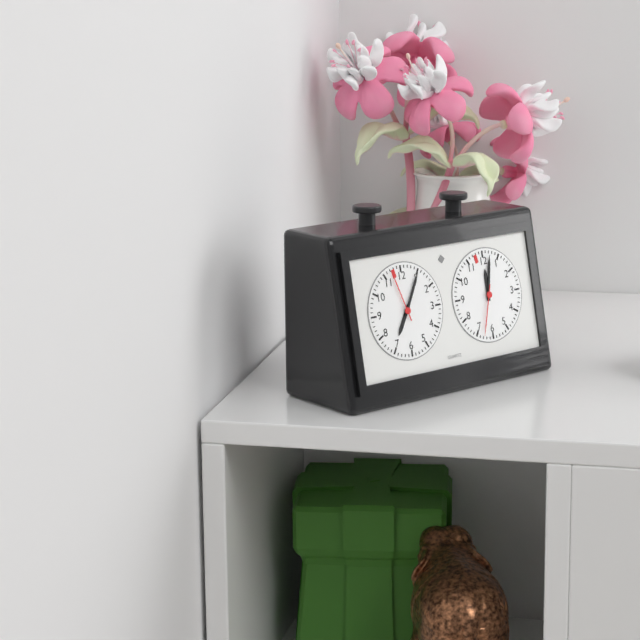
{"hour": 7, "minute": 5, "second": 57}
